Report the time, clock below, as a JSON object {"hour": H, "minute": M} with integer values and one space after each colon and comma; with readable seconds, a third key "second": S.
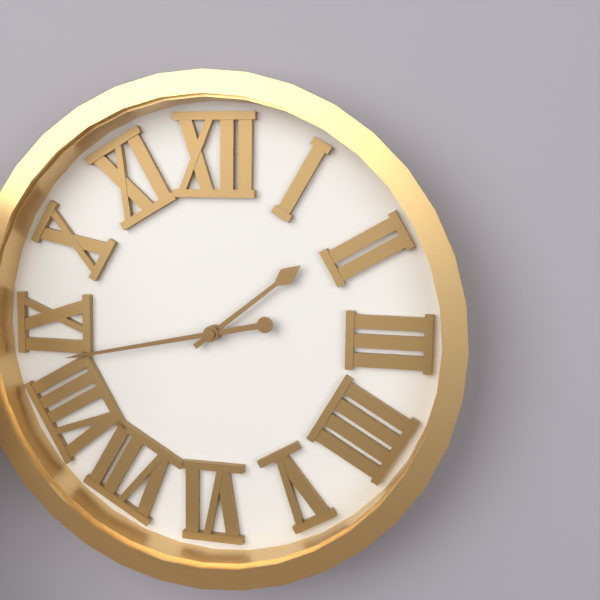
{"hour": 1, "minute": 43}
